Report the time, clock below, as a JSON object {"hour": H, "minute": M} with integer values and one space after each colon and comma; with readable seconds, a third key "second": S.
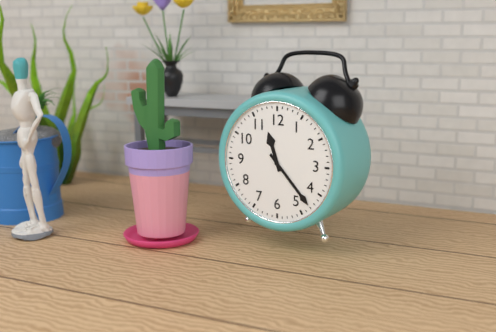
{"hour": 11, "minute": 23}
